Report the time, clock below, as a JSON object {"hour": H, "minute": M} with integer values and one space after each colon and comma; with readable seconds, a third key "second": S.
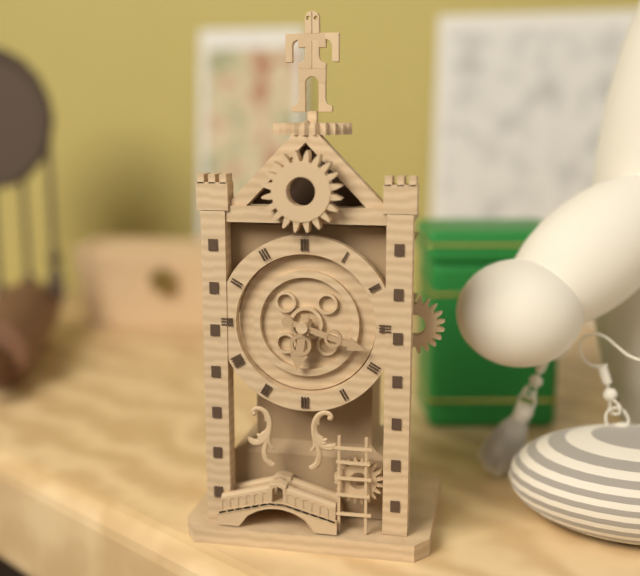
{"hour": 6, "minute": 18}
